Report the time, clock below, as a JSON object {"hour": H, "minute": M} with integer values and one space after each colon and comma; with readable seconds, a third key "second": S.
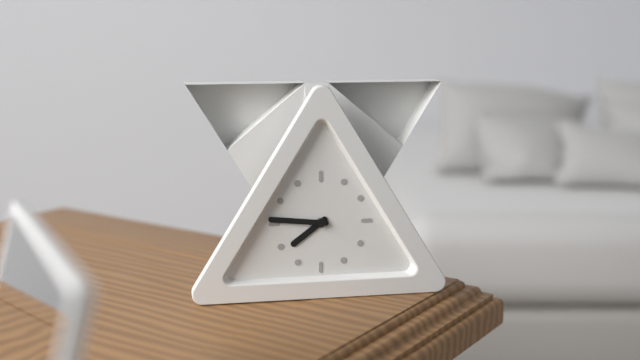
{"hour": 7, "minute": 46}
